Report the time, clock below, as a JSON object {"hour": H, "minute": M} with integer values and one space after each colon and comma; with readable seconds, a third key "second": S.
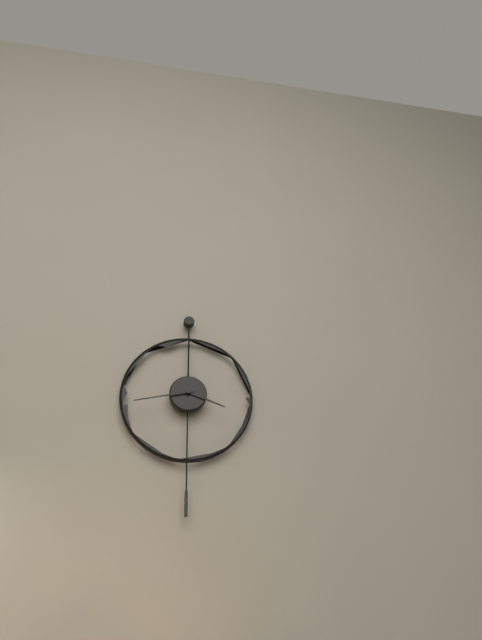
{"hour": 3, "minute": 43}
